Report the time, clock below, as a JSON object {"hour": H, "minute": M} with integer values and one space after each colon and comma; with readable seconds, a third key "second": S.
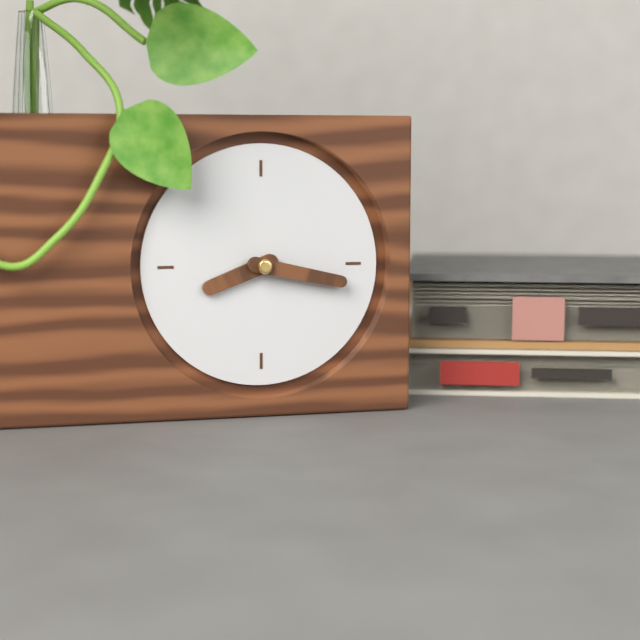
{"hour": 8, "minute": 17}
